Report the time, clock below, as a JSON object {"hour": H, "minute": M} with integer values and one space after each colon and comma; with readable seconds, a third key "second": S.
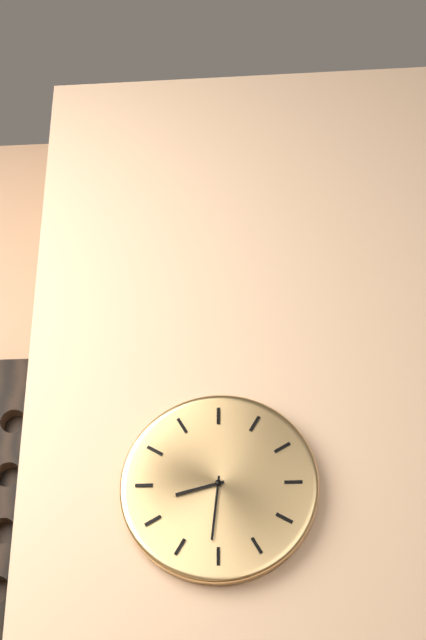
{"hour": 8, "minute": 31}
